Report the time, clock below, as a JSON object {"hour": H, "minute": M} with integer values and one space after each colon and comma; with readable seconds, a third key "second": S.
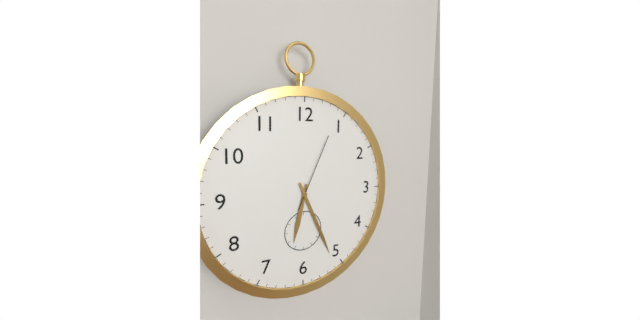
{"hour": 6, "minute": 26, "second": 4}
